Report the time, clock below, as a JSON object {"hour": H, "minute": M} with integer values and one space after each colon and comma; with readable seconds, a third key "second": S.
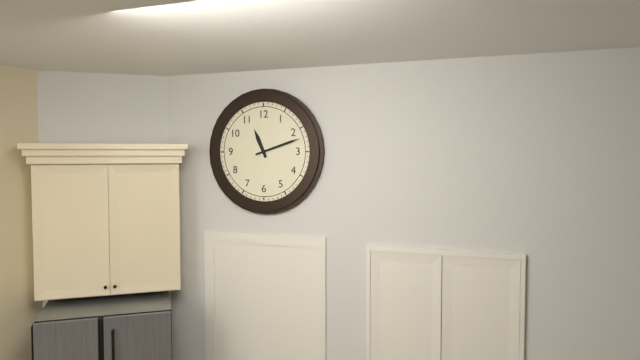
{"hour": 11, "minute": 12}
